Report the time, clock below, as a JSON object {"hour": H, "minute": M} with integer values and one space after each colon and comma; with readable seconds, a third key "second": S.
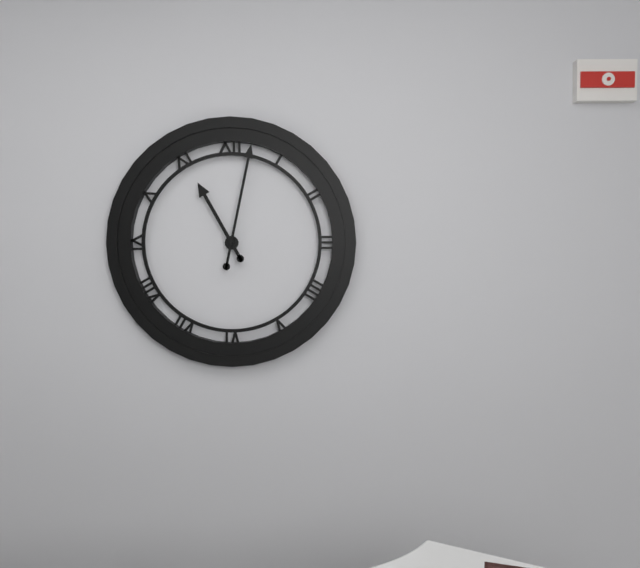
{"hour": 11, "minute": 2}
